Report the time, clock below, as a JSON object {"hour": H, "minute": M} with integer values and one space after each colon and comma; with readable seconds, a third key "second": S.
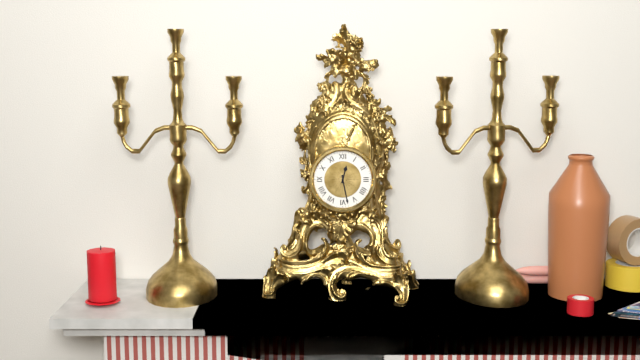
{"hour": 12, "minute": 28}
